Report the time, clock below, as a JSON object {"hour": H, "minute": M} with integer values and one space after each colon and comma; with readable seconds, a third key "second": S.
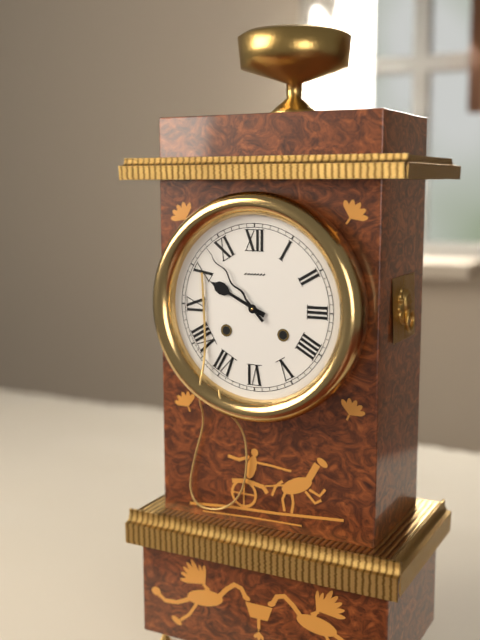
{"hour": 9, "minute": 53}
